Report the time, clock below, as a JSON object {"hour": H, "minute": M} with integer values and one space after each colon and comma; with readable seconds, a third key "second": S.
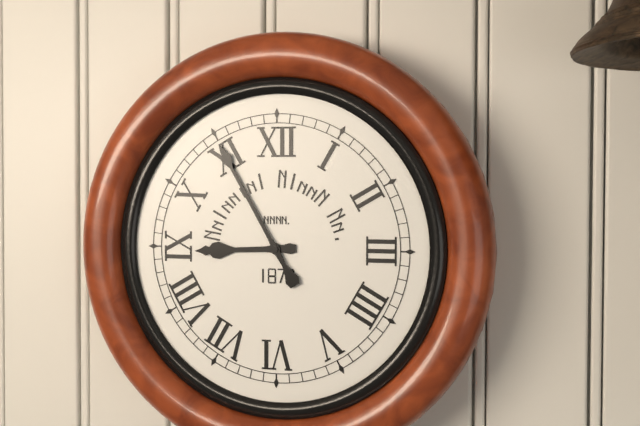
{"hour": 8, "minute": 55}
